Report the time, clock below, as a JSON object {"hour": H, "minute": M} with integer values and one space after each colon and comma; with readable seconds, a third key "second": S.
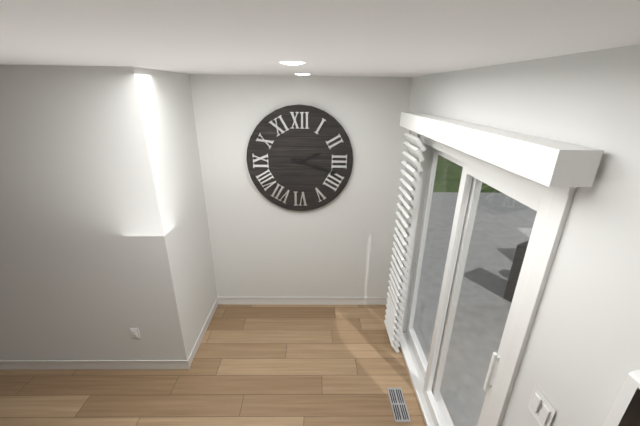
{"hour": 2, "minute": 18}
